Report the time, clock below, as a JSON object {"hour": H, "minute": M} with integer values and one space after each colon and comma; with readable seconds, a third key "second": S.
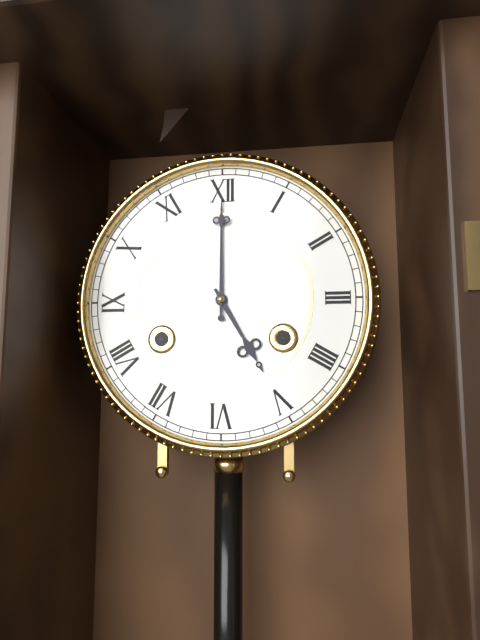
{"hour": 5, "minute": 0}
